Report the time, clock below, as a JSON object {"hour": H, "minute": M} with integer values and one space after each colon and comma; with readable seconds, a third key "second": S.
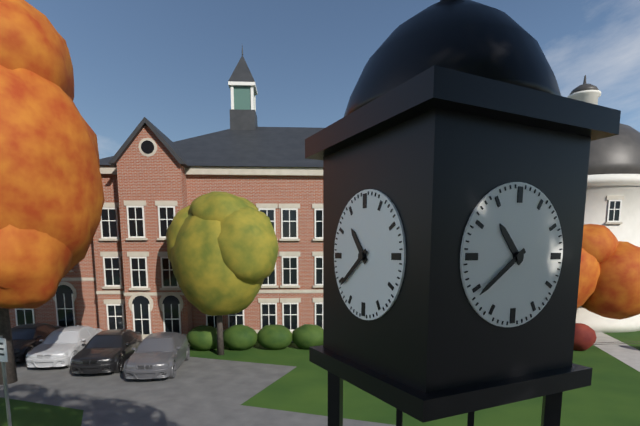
{"hour": 10, "minute": 39}
